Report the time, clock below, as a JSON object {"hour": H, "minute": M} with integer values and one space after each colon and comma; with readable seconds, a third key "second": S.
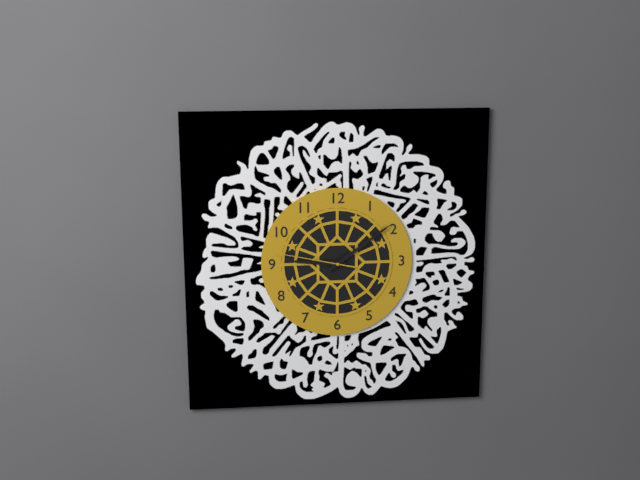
{"hour": 9, "minute": 9, "second": 47}
